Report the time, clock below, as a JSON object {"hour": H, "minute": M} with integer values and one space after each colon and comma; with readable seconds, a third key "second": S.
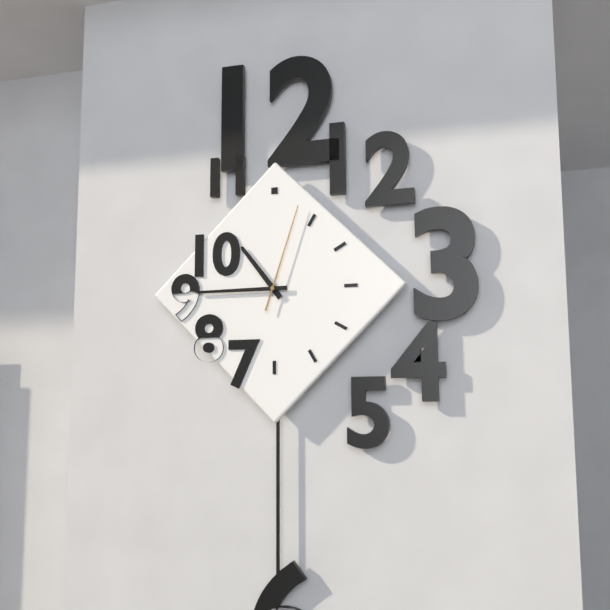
{"hour": 10, "minute": 45, "second": 3}
